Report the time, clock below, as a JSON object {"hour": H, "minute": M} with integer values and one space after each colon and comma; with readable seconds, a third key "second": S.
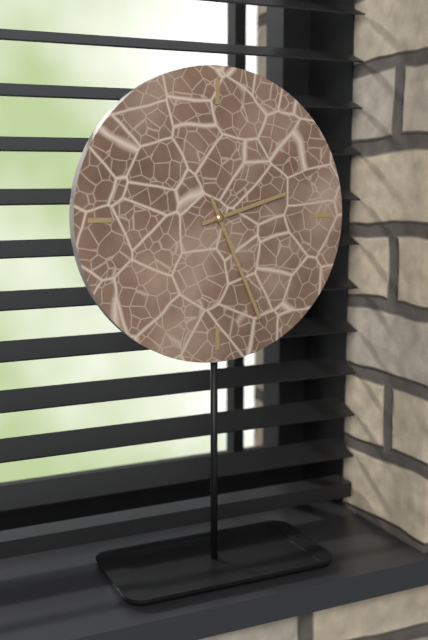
{"hour": 2, "minute": 26}
